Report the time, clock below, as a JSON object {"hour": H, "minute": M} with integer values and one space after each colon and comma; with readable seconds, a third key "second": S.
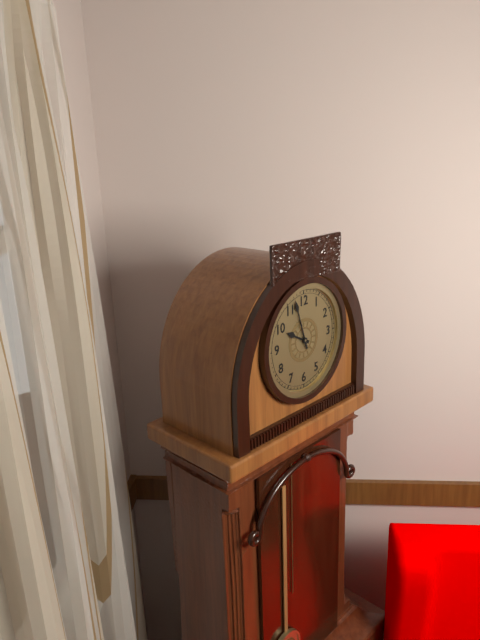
{"hour": 9, "minute": 57}
